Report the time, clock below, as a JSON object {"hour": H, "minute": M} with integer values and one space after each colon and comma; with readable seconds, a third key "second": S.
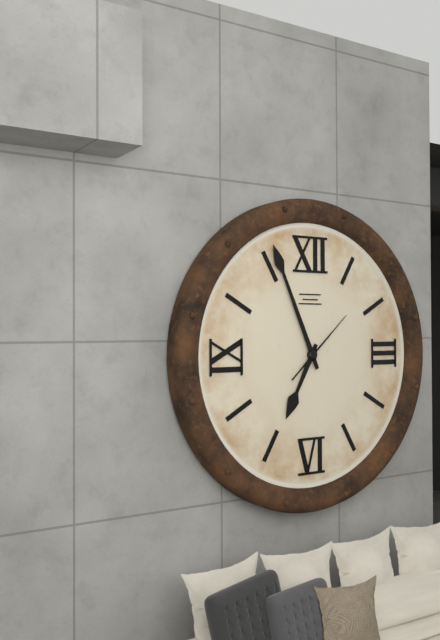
{"hour": 6, "minute": 56, "second": 8}
